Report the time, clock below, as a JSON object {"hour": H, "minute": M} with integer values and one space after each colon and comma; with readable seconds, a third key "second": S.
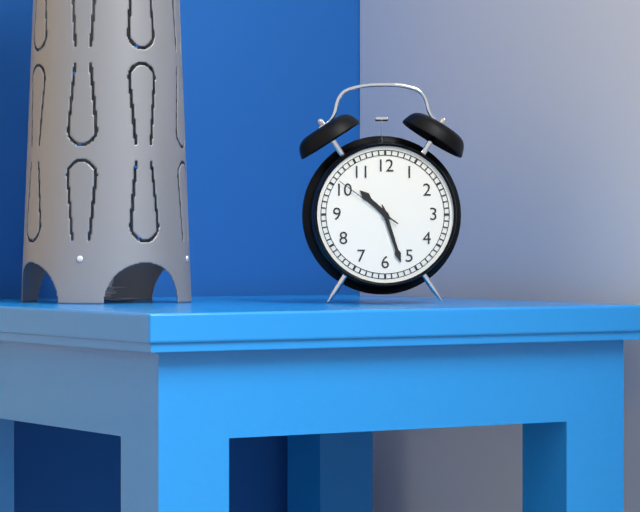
{"hour": 10, "minute": 27, "second": 51}
